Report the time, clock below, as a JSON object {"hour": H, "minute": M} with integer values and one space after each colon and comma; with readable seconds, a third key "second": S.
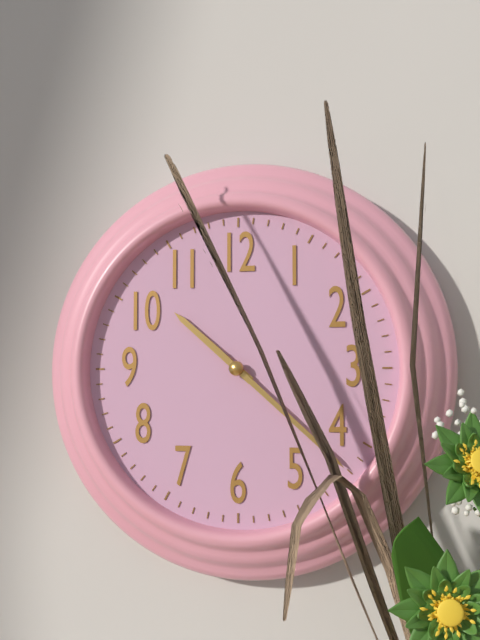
{"hour": 10, "minute": 22}
